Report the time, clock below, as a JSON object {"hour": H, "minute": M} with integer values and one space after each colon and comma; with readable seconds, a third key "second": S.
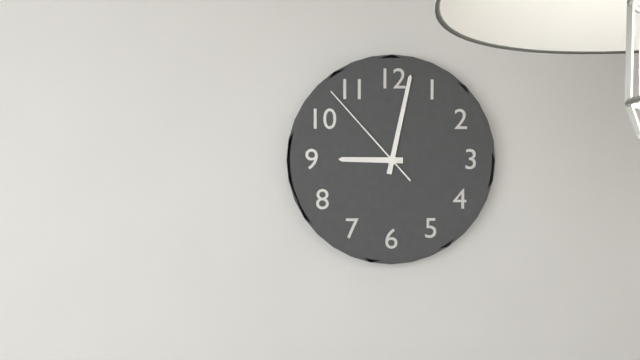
{"hour": 9, "minute": 2, "second": 53}
